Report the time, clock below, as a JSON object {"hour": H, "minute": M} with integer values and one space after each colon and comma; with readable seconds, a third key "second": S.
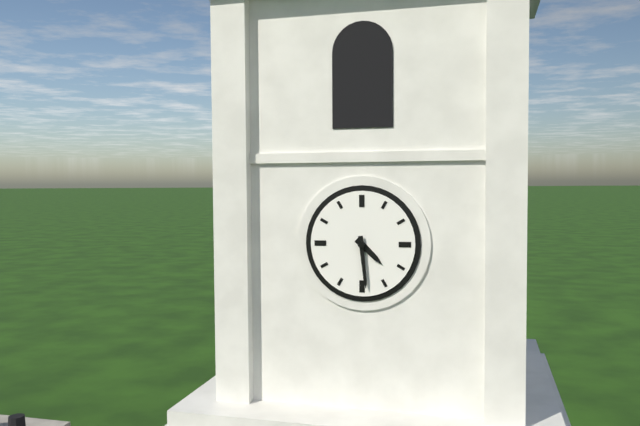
{"hour": 4, "minute": 29}
